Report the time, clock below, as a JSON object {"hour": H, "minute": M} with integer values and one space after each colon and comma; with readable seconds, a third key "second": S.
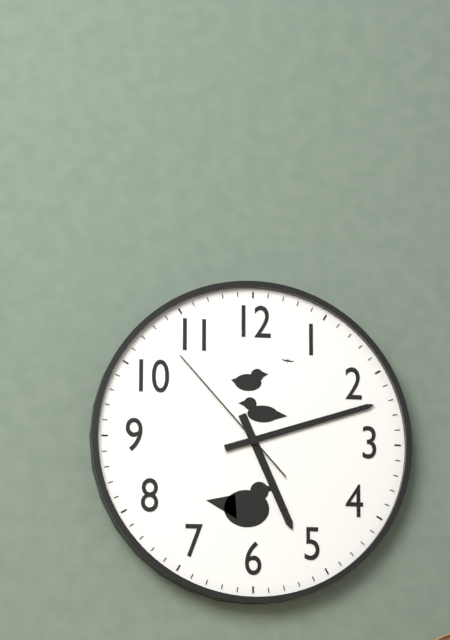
{"hour": 5, "minute": 12, "second": 53}
